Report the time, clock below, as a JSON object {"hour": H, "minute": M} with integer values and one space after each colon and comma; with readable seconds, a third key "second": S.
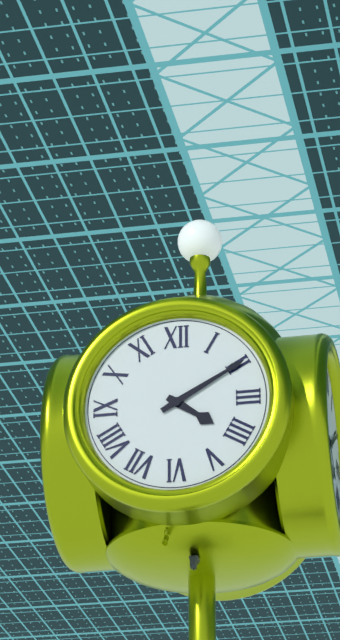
{"hour": 4, "minute": 10}
